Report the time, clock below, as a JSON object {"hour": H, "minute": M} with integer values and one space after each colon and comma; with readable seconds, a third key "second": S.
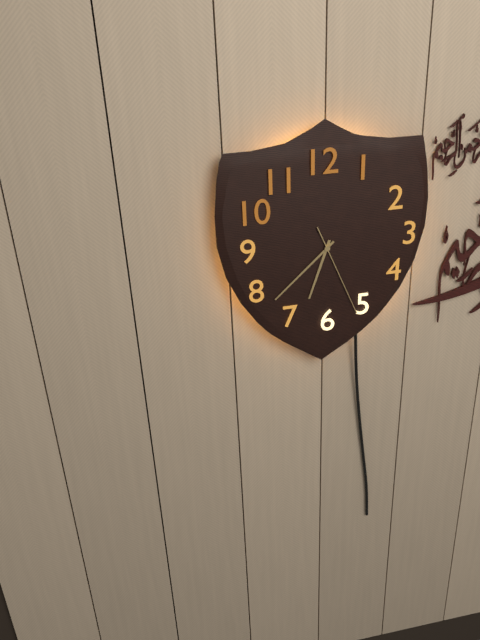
{"hour": 6, "minute": 38, "second": 26}
